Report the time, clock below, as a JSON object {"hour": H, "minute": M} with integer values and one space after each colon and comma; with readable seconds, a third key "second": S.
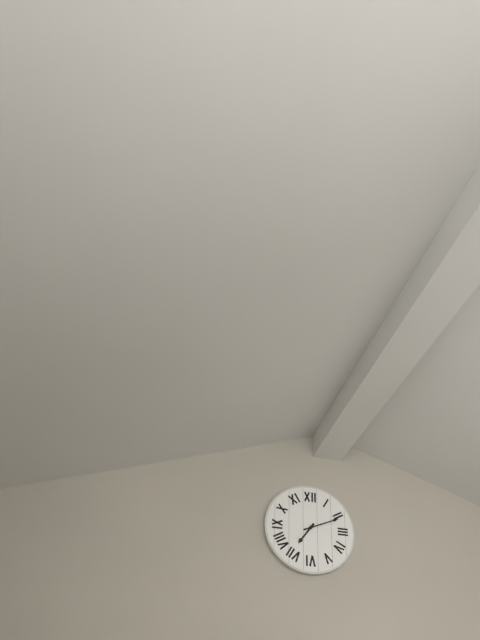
{"hour": 7, "minute": 11}
